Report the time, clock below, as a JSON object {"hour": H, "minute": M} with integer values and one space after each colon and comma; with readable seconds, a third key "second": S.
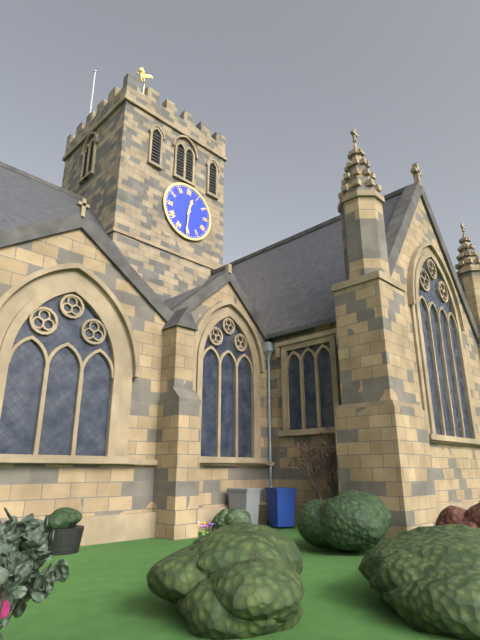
{"hour": 12, "minute": 31}
